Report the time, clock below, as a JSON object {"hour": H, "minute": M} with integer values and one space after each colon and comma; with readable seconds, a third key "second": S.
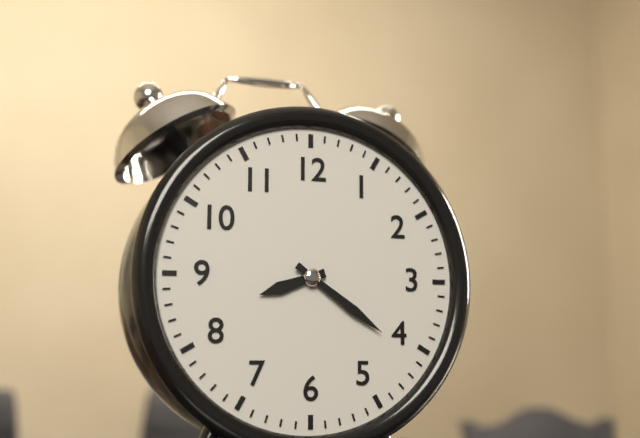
{"hour": 8, "minute": 21}
